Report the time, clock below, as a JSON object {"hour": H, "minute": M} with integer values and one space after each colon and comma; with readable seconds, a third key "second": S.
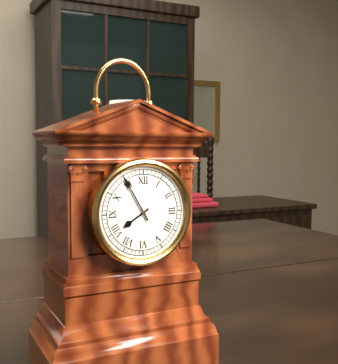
{"hour": 7, "minute": 55}
